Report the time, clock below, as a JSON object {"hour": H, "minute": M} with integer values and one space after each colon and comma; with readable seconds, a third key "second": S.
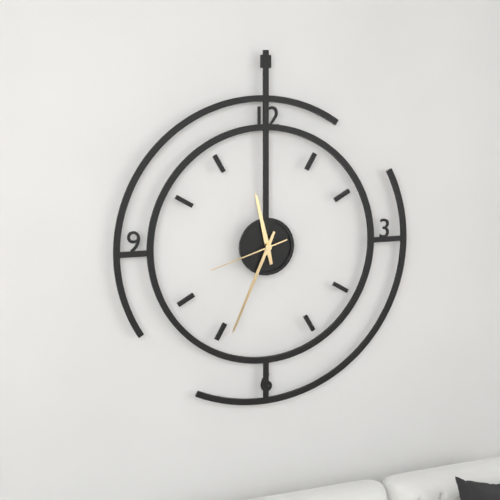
{"hour": 11, "minute": 34, "second": 42}
